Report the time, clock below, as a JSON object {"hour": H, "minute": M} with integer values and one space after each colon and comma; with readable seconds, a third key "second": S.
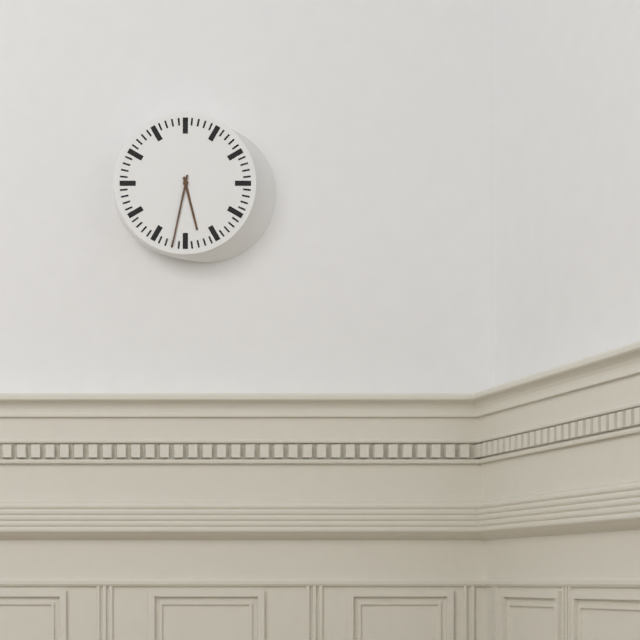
{"hour": 5, "minute": 32}
